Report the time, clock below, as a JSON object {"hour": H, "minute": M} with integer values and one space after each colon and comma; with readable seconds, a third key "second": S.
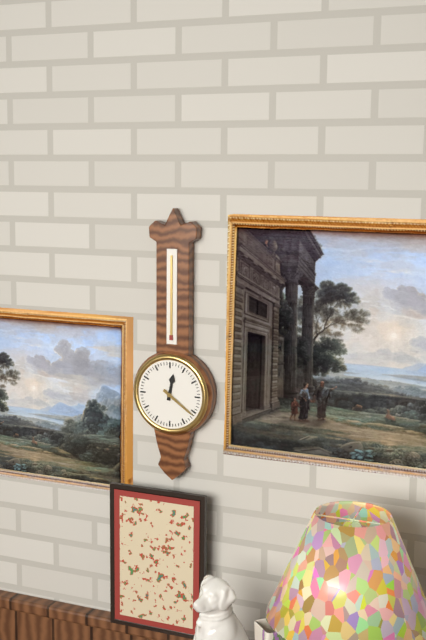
{"hour": 12, "minute": 21}
